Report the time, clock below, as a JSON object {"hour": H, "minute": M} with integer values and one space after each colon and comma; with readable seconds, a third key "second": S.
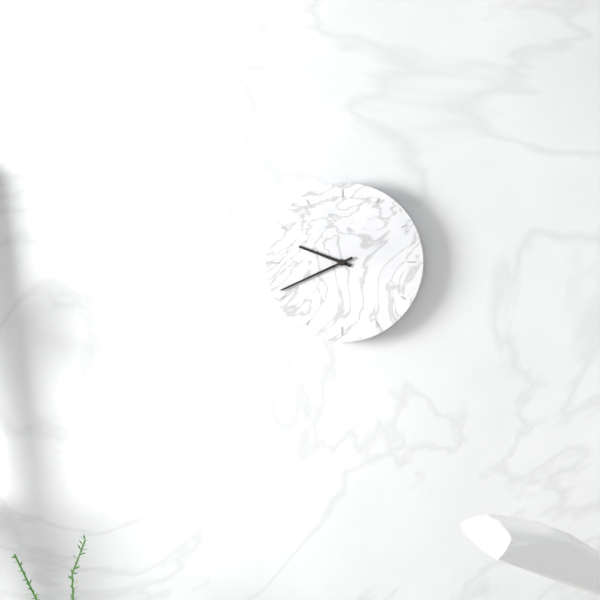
{"hour": 9, "minute": 41}
